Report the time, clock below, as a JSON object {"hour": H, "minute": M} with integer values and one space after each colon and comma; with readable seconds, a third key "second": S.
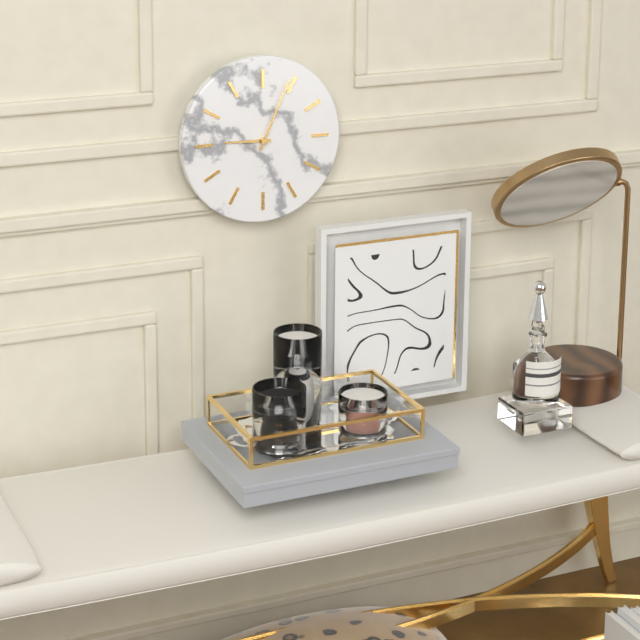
{"hour": 9, "minute": 4}
